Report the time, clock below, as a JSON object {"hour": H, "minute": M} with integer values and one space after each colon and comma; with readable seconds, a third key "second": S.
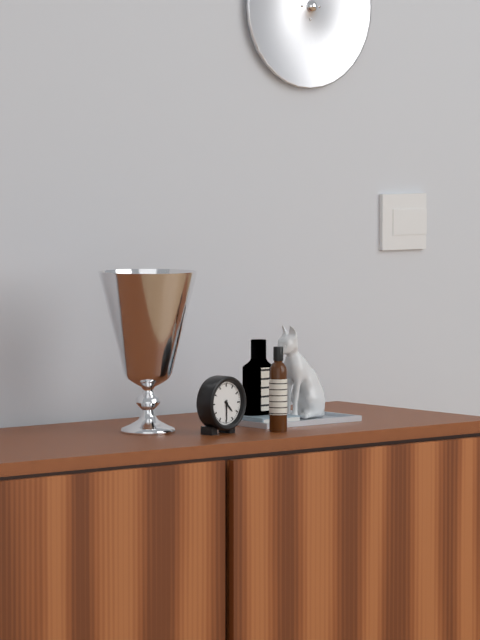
{"hour": 4, "minute": 30}
